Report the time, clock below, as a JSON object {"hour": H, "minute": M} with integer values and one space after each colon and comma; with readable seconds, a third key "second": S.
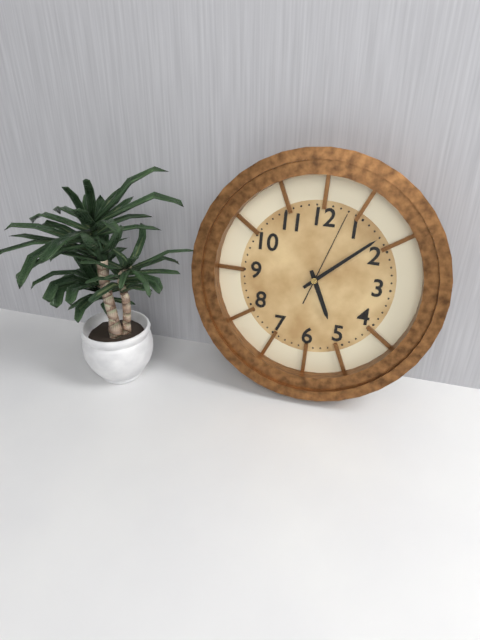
{"hour": 5, "minute": 8, "second": 3}
